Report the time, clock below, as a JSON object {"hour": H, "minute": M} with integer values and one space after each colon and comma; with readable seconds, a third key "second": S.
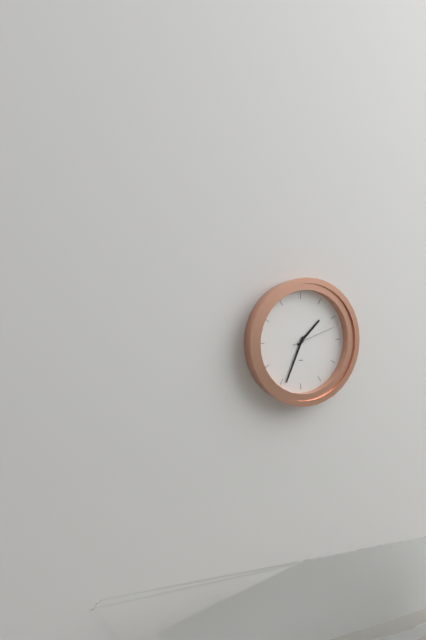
{"hour": 1, "minute": 34}
